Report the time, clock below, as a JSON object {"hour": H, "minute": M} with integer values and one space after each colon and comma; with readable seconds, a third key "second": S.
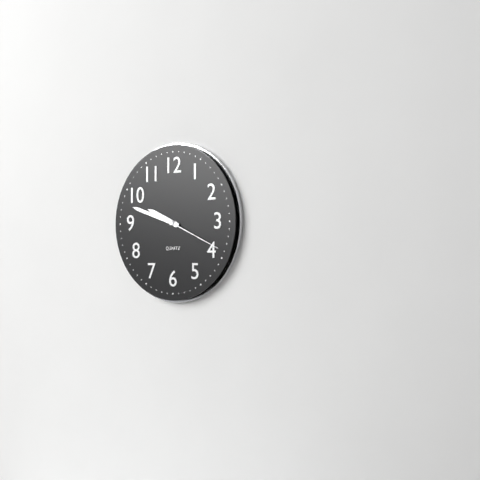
{"hour": 9, "minute": 48, "second": 19}
